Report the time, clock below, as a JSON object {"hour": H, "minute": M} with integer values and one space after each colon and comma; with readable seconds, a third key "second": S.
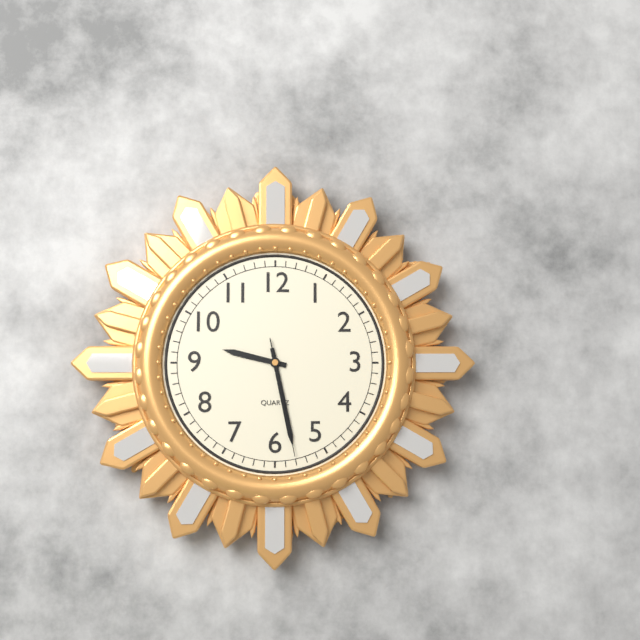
{"hour": 9, "minute": 28, "second": 28}
